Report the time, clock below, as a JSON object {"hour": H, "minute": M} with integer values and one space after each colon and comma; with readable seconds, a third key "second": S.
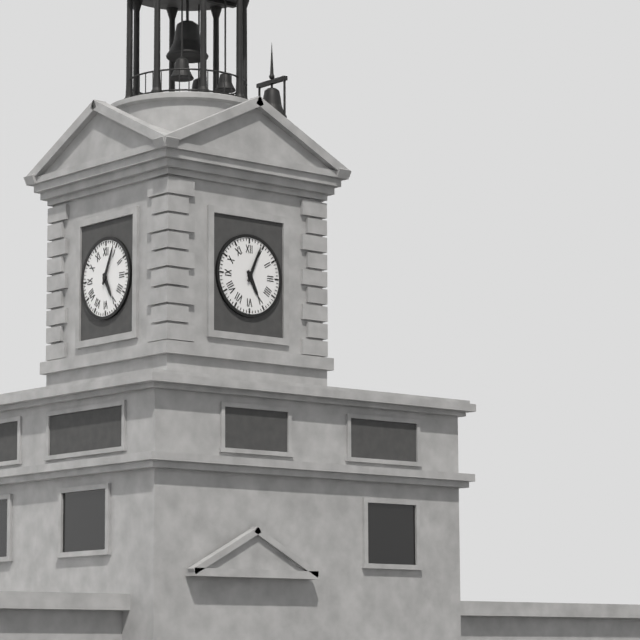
{"hour": 5, "minute": 4}
